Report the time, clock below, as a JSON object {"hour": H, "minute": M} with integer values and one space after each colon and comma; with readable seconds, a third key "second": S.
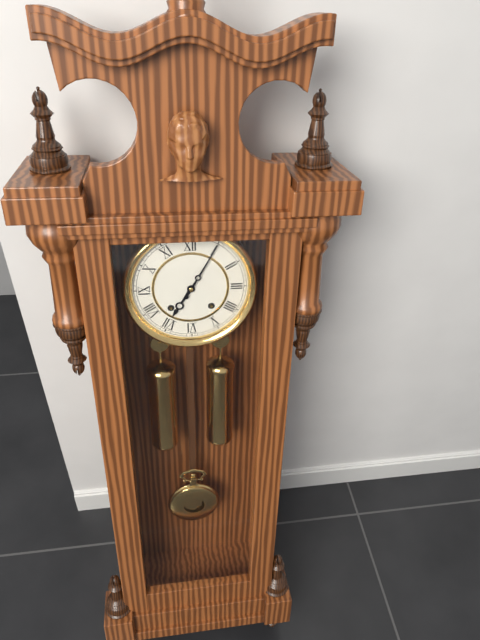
{"hour": 7, "minute": 5}
